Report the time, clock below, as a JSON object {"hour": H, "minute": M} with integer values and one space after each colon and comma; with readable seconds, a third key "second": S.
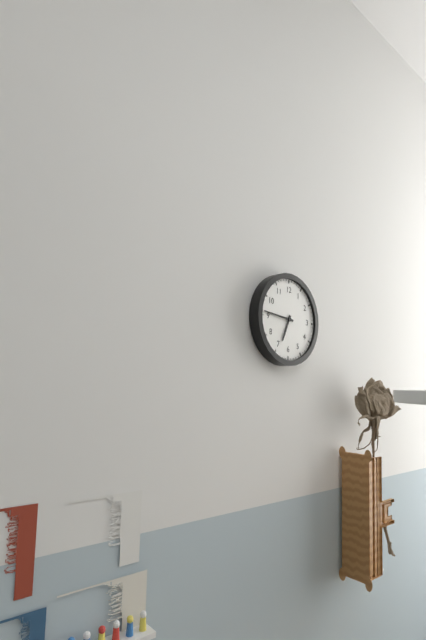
{"hour": 6, "minute": 46}
